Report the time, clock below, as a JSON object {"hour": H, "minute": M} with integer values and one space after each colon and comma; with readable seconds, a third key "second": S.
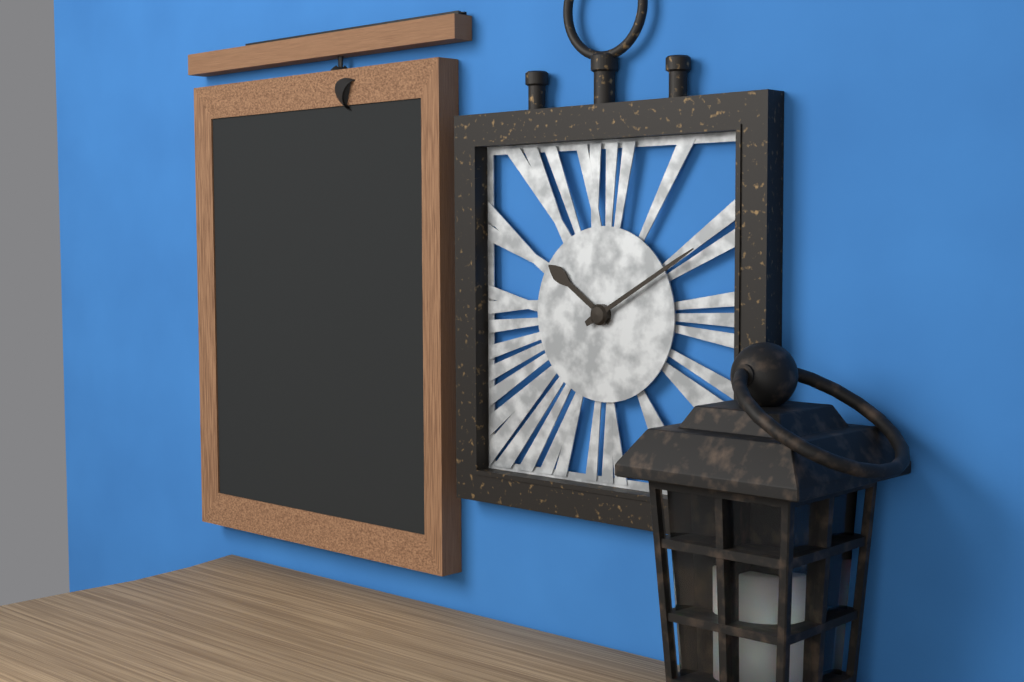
{"hour": 10, "minute": 10}
